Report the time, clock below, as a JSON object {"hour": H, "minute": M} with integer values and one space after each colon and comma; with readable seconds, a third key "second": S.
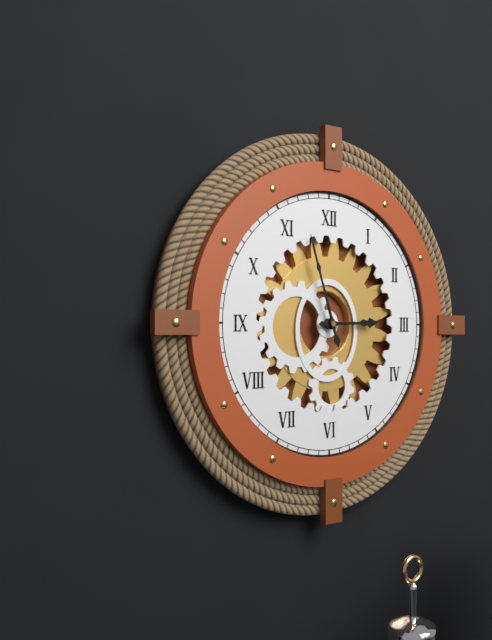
{"hour": 2, "minute": 57}
